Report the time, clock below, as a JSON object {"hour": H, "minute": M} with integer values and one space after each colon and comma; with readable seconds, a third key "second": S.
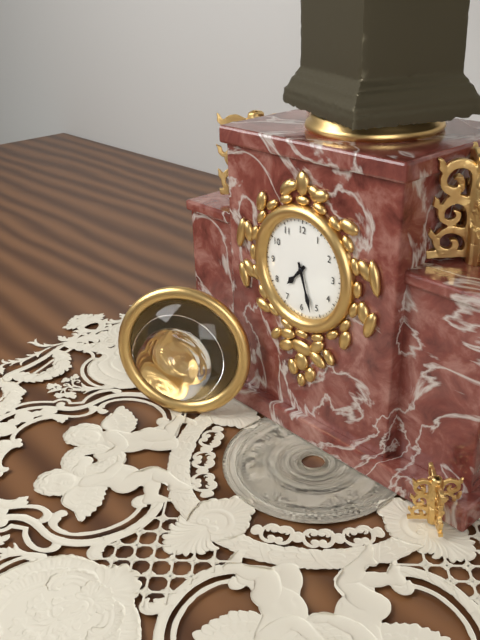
{"hour": 7, "minute": 27}
